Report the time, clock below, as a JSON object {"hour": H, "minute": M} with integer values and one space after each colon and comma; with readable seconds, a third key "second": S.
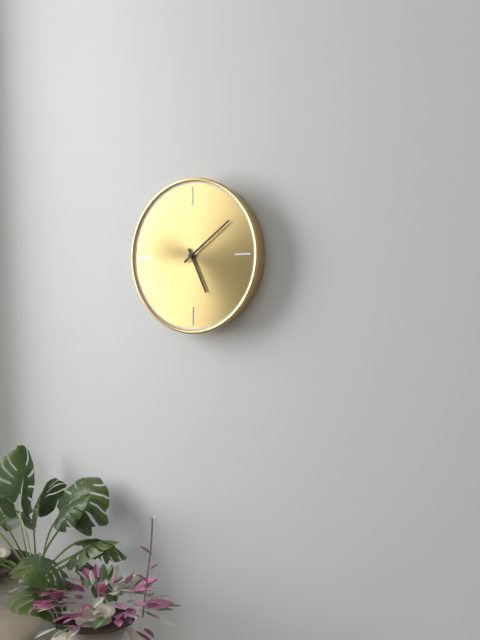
{"hour": 5, "minute": 9}
